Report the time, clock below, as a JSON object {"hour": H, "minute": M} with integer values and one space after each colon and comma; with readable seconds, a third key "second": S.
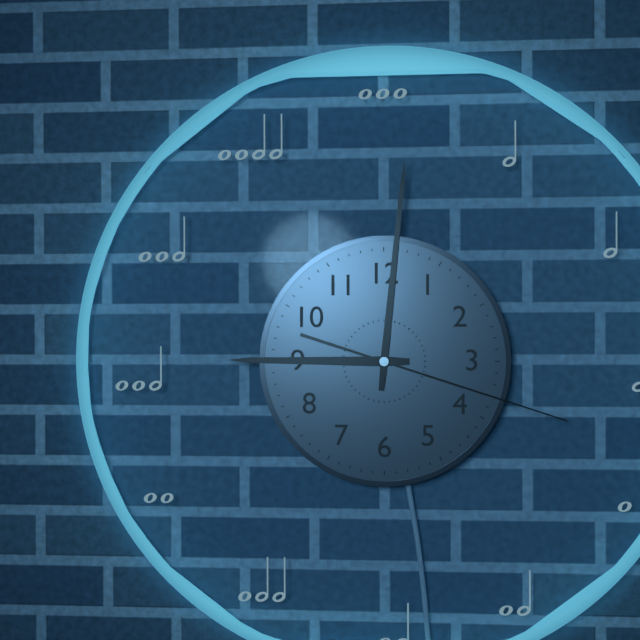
{"hour": 9, "minute": 1, "second": 18}
